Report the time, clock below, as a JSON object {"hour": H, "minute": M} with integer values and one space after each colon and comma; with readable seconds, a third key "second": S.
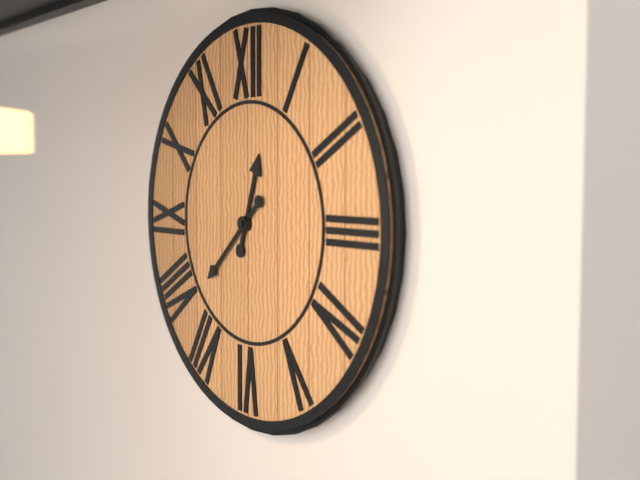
{"hour": 12, "minute": 38}
